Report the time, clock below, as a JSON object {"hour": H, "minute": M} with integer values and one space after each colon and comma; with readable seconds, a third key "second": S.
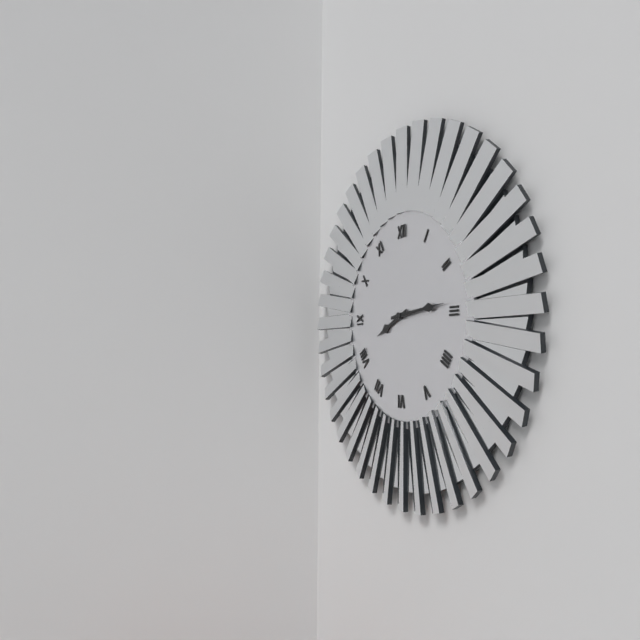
{"hour": 8, "minute": 14}
